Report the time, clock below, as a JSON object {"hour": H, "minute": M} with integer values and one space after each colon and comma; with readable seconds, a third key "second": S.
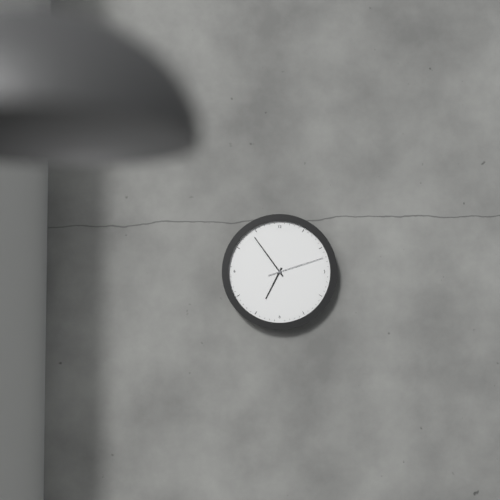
{"hour": 6, "minute": 54, "second": 12}
